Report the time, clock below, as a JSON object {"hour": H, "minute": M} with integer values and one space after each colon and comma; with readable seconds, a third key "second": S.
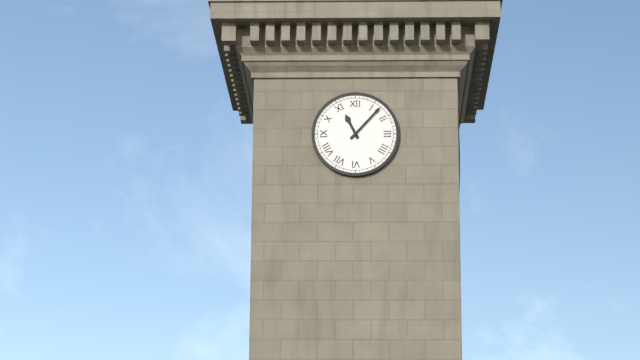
{"hour": 11, "minute": 7}
